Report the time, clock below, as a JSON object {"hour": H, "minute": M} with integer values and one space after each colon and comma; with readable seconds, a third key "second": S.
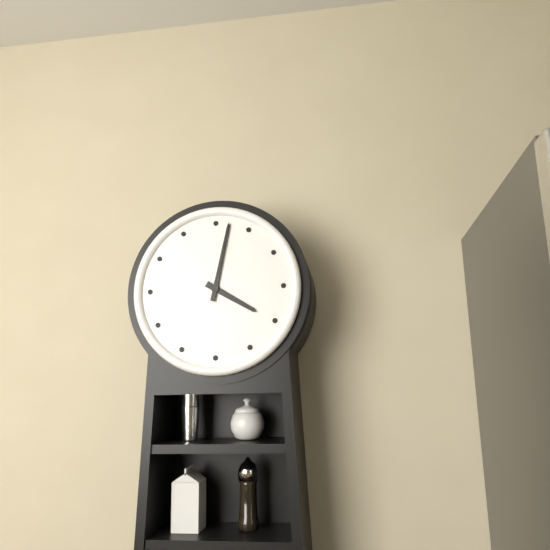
{"hour": 4, "minute": 2}
